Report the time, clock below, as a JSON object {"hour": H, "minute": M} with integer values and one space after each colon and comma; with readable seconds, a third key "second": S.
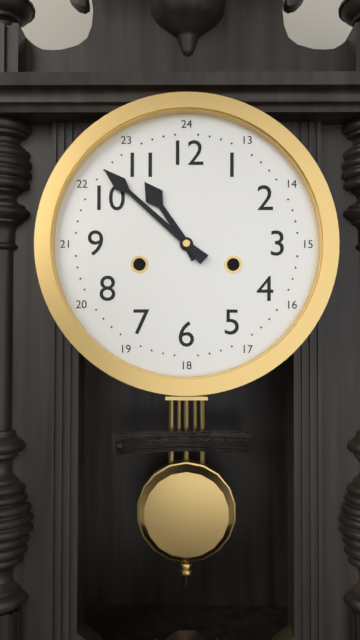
{"hour": 10, "minute": 52}
